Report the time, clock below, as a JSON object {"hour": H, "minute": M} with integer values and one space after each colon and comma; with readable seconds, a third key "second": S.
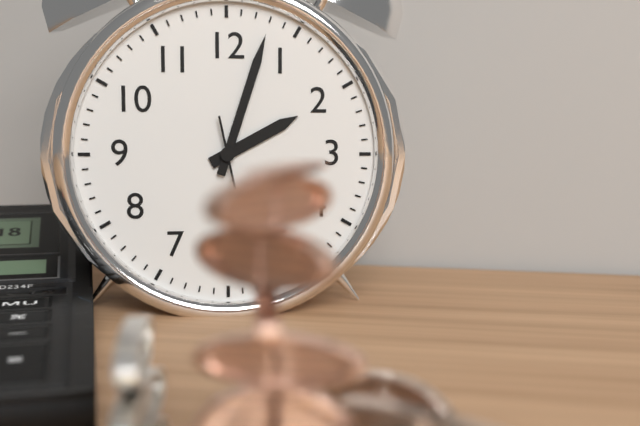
{"hour": 2, "minute": 3}
